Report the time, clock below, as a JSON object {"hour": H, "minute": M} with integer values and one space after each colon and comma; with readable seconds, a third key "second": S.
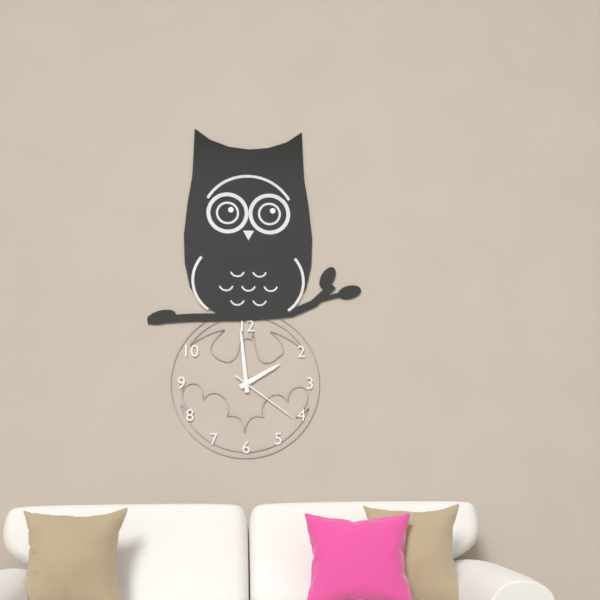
{"hour": 1, "minute": 59, "second": 21}
